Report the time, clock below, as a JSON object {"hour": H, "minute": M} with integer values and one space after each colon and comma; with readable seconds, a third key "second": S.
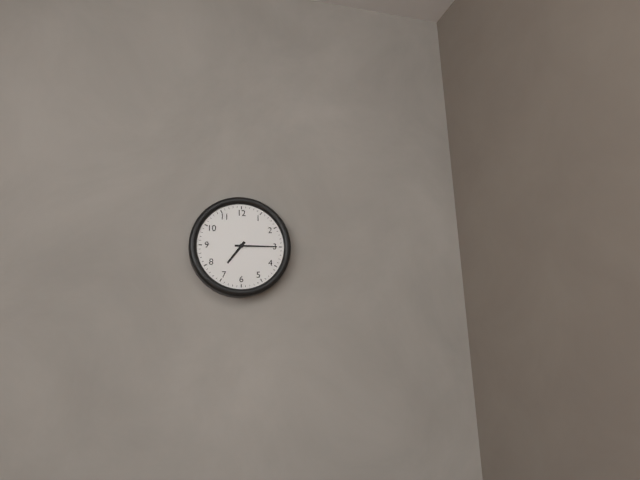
{"hour": 7, "minute": 15}
